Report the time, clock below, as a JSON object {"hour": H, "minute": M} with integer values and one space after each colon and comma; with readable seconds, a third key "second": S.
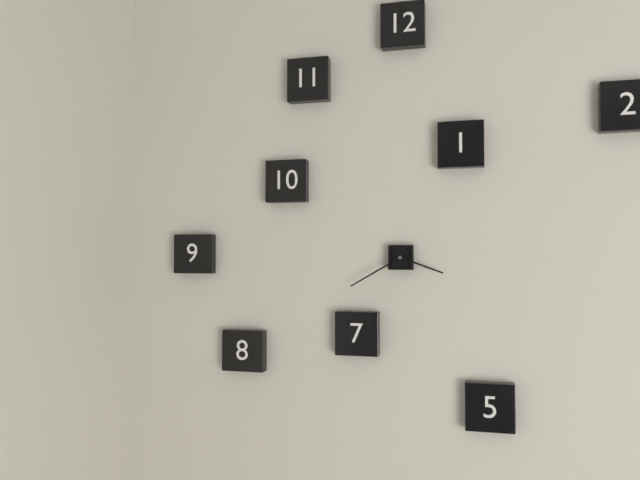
{"hour": 3, "minute": 40}
